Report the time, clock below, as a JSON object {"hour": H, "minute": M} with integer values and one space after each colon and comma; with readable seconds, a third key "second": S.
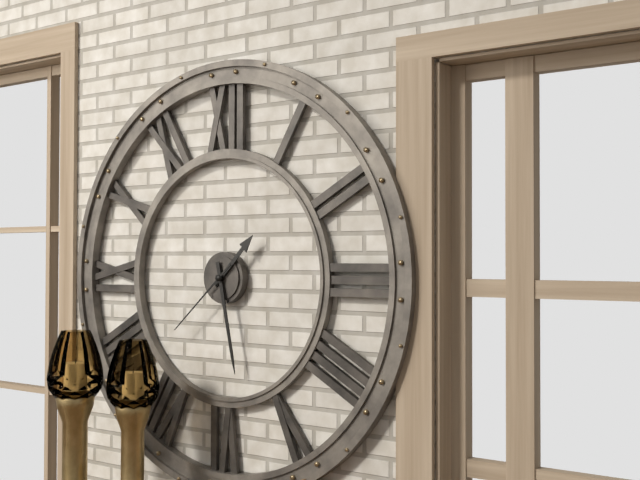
{"hour": 1, "minute": 28, "second": 38}
